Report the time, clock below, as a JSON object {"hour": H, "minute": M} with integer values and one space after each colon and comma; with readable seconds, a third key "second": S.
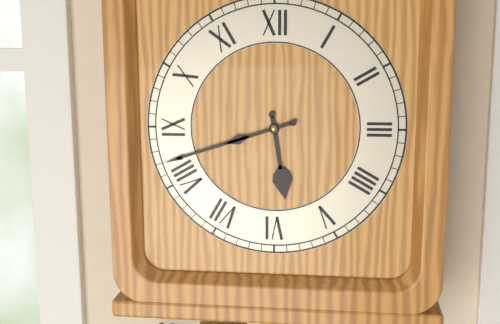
{"hour": 5, "minute": 42}
